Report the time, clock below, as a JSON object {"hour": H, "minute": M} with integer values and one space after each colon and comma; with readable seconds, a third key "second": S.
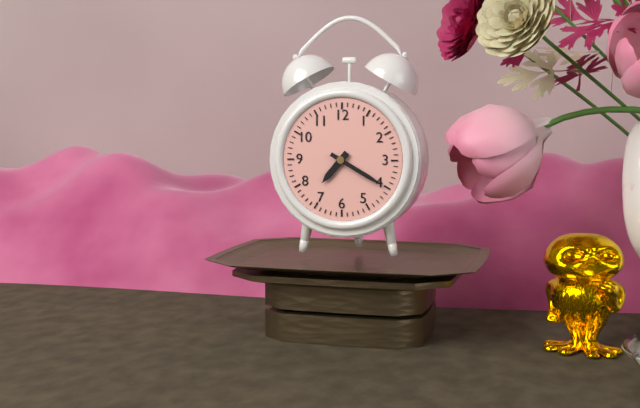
{"hour": 7, "minute": 20}
